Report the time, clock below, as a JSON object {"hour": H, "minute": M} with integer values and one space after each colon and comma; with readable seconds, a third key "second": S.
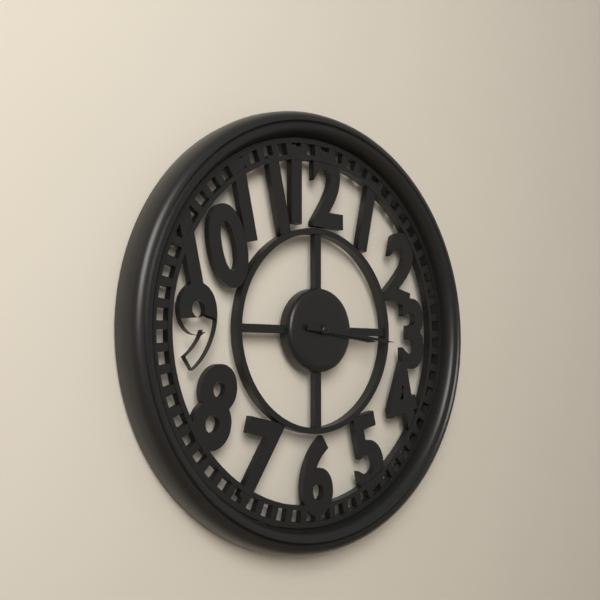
{"hour": 3, "minute": 16}
